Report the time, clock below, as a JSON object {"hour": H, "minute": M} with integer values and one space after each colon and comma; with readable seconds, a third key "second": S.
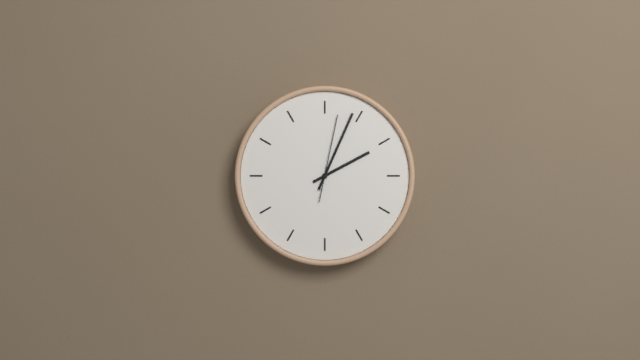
{"hour": 2, "minute": 4, "second": 2}
